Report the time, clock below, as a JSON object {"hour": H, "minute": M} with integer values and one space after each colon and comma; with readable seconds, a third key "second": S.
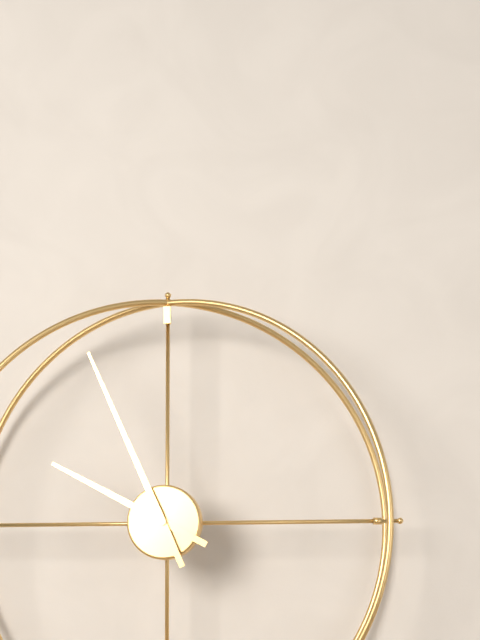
{"hour": 9, "minute": 56}
